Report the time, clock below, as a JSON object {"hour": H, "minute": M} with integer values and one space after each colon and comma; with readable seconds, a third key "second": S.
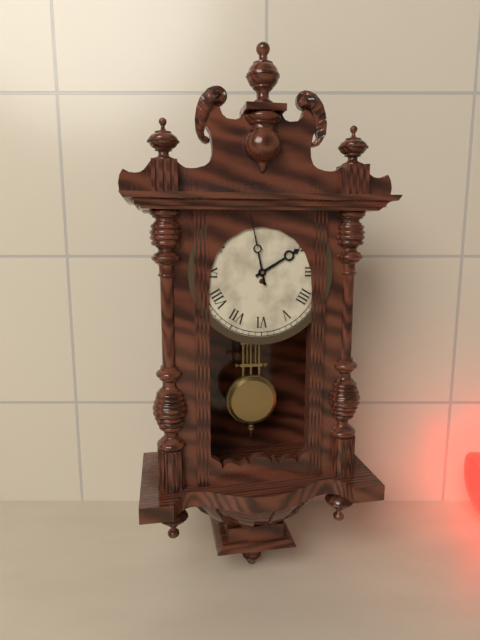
{"hour": 1, "minute": 58}
